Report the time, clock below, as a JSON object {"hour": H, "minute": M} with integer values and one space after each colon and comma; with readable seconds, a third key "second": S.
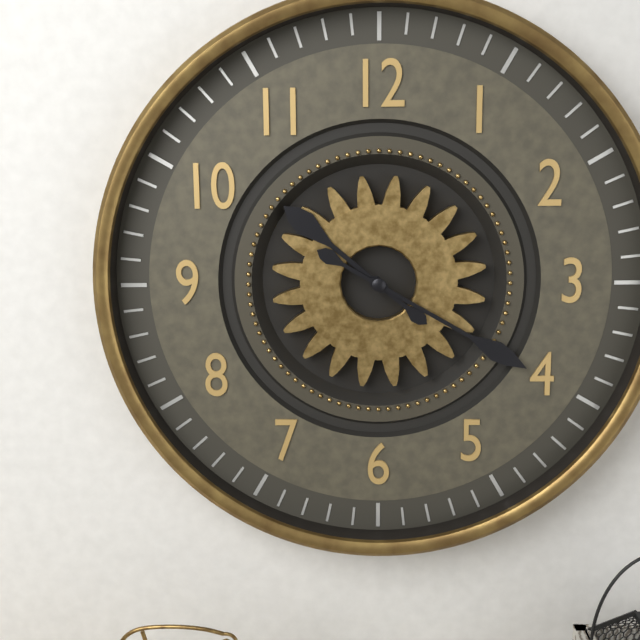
{"hour": 10, "minute": 20}
